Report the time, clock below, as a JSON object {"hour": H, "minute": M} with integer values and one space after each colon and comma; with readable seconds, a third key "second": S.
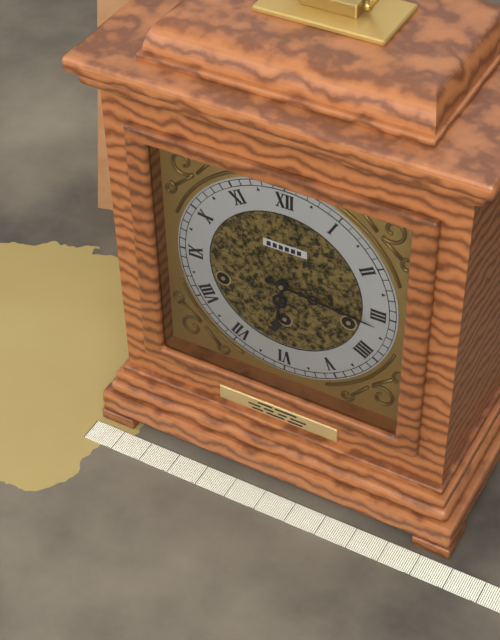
{"hour": 6, "minute": 16}
